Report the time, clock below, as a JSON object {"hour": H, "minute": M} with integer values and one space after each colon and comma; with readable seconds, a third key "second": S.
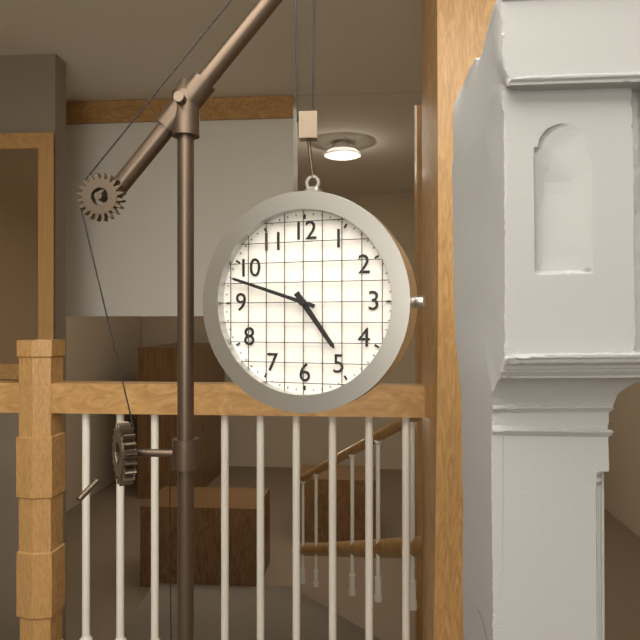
{"hour": 4, "minute": 48}
